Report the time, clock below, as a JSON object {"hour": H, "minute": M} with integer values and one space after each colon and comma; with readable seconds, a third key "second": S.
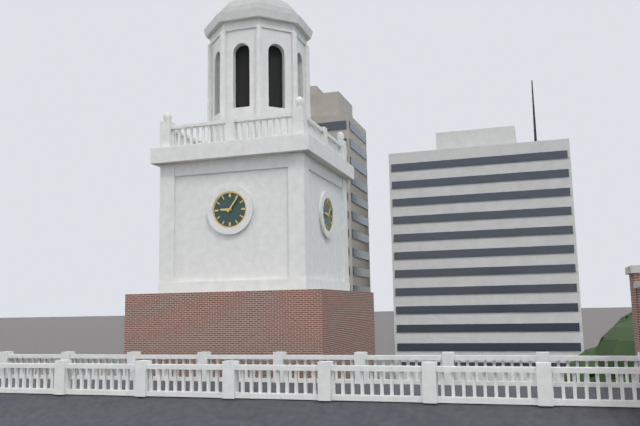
{"hour": 9, "minute": 6}
